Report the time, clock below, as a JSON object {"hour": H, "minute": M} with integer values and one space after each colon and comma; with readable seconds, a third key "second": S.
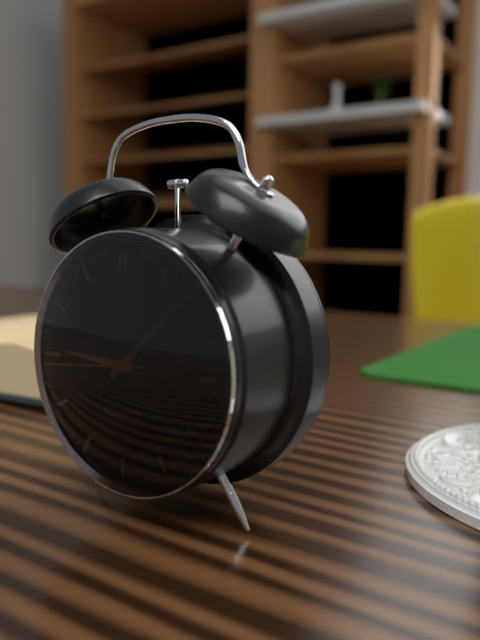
{"hour": 9, "minute": 8, "second": 44}
